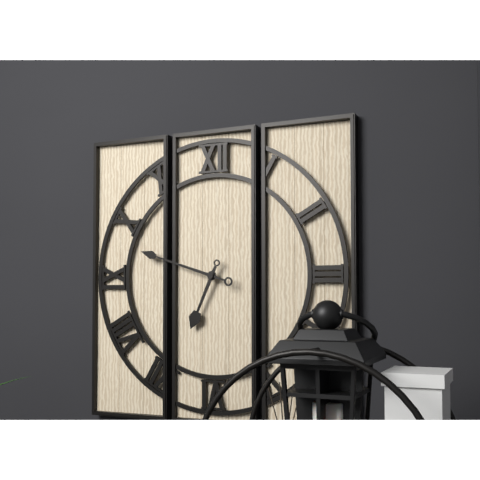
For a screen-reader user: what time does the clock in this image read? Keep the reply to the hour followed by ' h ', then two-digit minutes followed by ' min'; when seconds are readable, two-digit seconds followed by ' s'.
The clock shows 6 h 48 min
